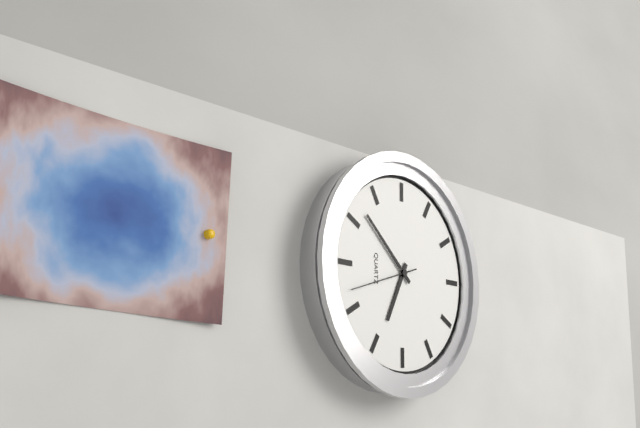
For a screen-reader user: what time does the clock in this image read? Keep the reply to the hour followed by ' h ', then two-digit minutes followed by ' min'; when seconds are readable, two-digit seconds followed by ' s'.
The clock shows 6 h 52 min 42 s
